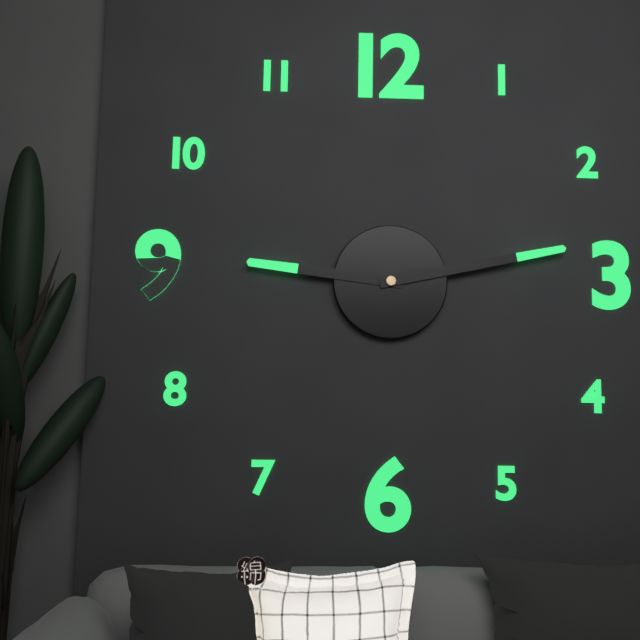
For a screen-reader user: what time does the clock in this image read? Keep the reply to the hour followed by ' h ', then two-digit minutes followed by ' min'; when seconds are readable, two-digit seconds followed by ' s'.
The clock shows 9 h 13 min
